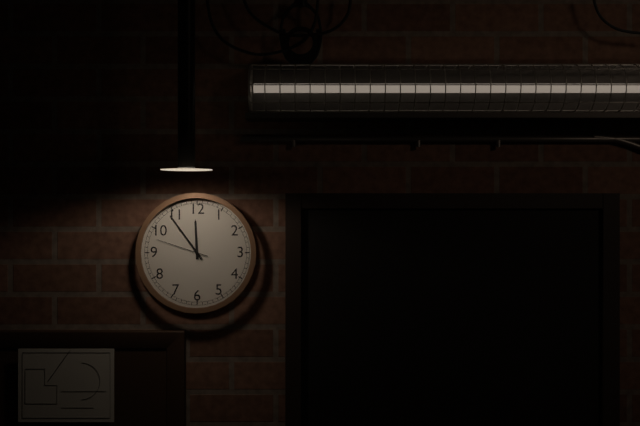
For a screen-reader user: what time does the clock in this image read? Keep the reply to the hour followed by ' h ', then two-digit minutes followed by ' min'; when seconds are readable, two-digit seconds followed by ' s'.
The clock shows 11 h 54 min 48 s
